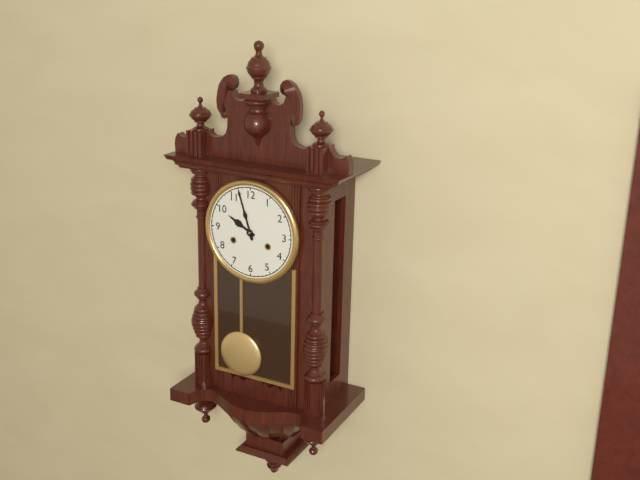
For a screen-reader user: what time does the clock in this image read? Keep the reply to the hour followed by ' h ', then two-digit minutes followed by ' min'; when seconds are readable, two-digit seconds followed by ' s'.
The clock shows 9 h 57 min
